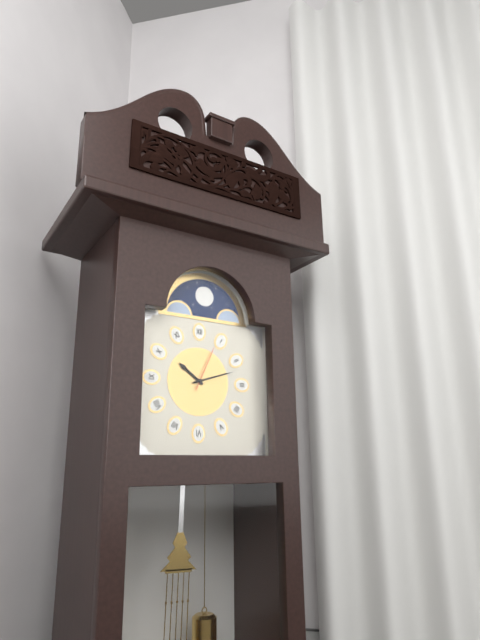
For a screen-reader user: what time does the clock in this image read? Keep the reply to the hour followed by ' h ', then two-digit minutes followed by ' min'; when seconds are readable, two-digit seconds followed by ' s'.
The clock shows 10 h 12 min
